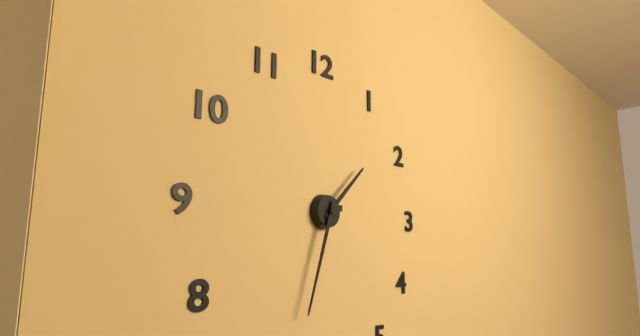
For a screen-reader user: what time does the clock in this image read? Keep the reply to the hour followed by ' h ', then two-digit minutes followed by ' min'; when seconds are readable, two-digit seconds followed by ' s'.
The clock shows 1 h 33 min
